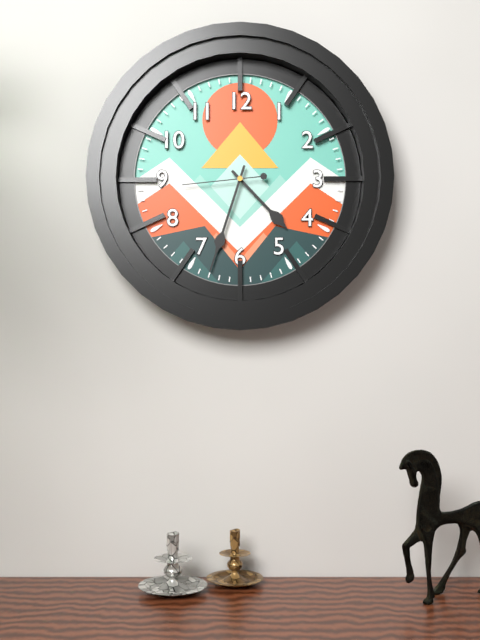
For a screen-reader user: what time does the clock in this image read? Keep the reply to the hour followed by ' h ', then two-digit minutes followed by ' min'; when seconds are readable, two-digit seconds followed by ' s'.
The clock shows 4 h 33 min 44 s
